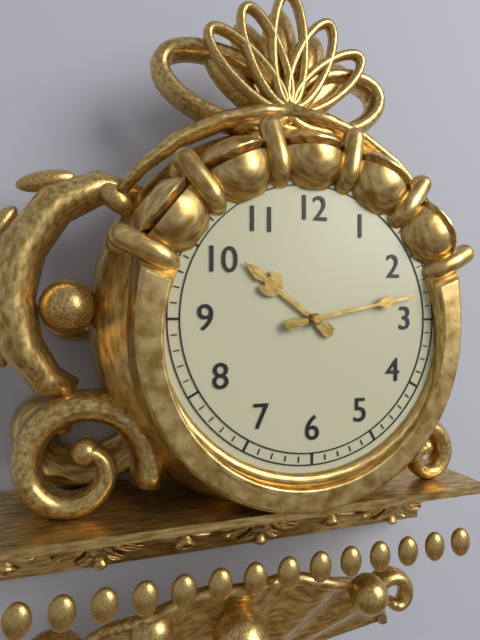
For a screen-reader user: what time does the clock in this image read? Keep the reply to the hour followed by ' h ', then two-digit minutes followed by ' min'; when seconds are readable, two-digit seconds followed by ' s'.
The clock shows 10 h 13 min
